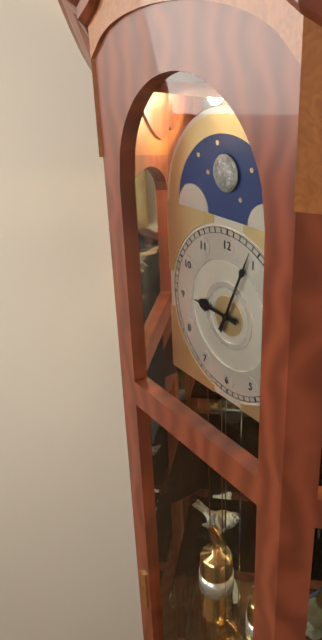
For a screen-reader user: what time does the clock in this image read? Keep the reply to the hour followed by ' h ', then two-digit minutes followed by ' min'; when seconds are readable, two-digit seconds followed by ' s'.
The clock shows 9 h 04 min
